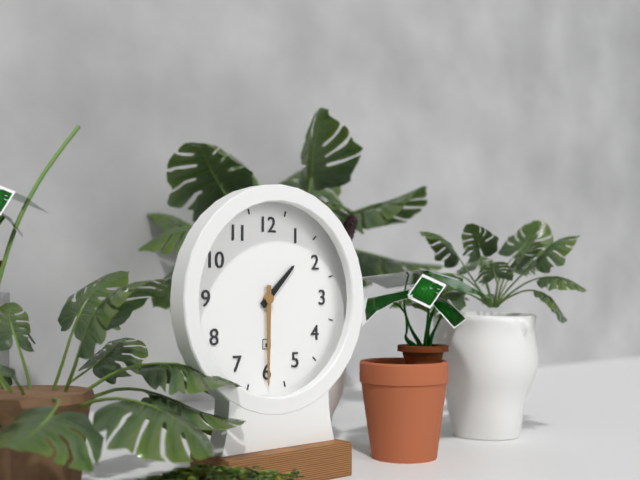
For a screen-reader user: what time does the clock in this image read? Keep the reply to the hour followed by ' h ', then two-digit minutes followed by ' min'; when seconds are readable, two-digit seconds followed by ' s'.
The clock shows 1 h 30 min
